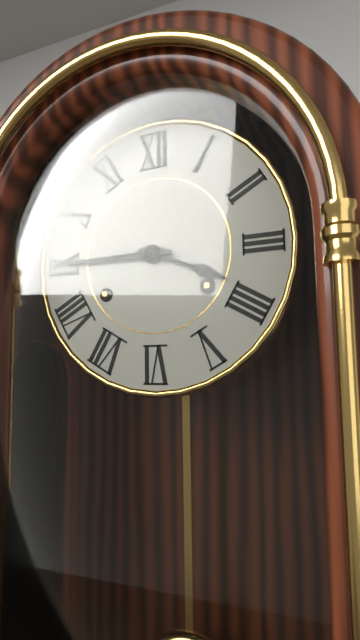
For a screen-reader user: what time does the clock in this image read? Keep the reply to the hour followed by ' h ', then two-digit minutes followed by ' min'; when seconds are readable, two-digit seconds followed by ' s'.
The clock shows 3 h 45 min
